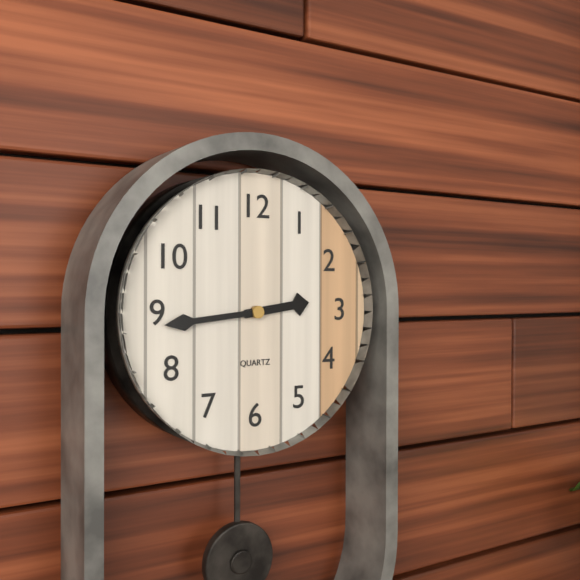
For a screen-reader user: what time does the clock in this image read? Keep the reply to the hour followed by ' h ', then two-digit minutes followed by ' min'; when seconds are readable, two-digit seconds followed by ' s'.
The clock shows 2 h 44 min
